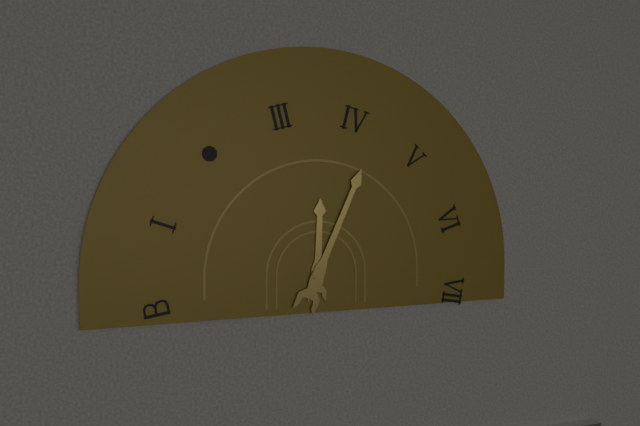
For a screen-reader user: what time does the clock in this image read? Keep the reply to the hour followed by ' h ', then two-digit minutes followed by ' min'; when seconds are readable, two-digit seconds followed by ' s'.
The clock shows 12 h 04 min
